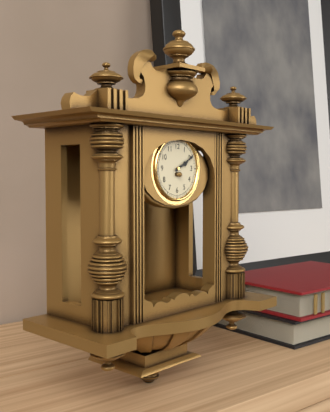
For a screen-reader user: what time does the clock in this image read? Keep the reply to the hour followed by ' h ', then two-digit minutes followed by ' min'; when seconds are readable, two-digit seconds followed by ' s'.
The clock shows 2 h 10 min
